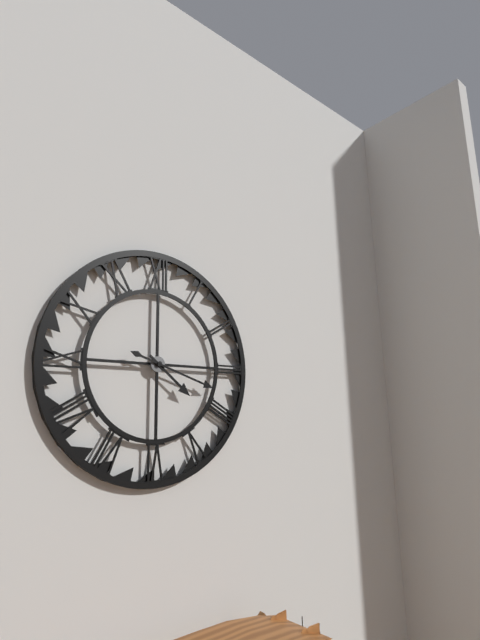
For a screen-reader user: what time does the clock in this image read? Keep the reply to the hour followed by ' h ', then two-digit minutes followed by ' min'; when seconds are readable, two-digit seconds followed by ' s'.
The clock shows 4 h 18 min
